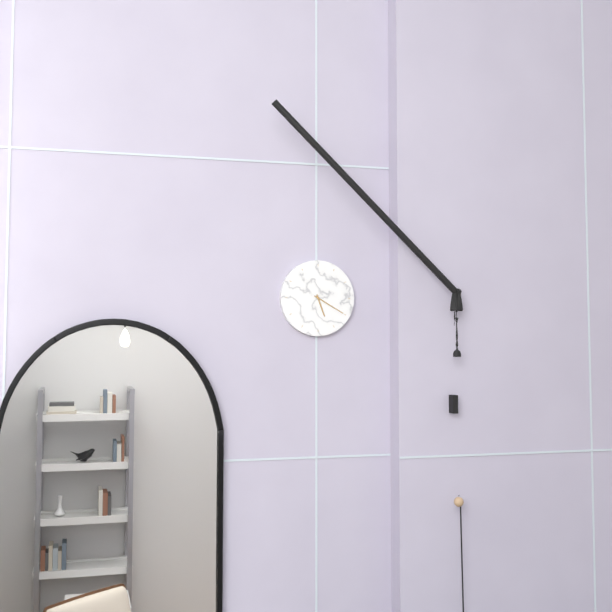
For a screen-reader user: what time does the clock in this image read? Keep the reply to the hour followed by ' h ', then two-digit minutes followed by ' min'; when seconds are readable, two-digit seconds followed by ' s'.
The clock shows 5 h 20 min
